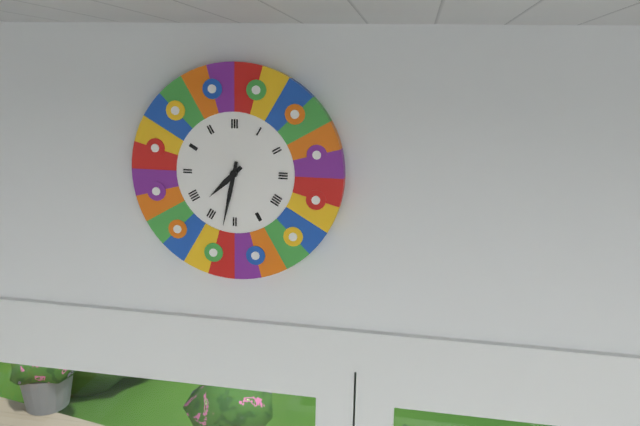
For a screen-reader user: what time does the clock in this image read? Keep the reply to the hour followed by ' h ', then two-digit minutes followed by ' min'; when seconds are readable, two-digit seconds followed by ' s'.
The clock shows 7 h 32 min
